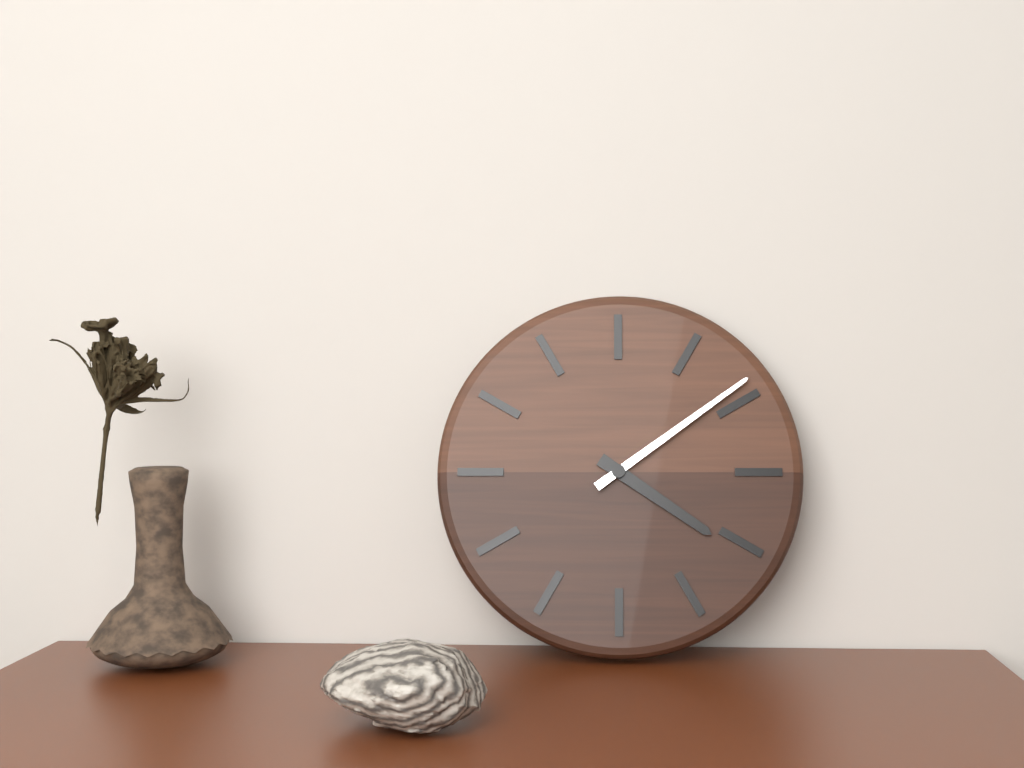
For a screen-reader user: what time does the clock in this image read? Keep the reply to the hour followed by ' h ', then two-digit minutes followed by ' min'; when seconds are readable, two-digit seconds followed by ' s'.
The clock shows 4 h 09 min
